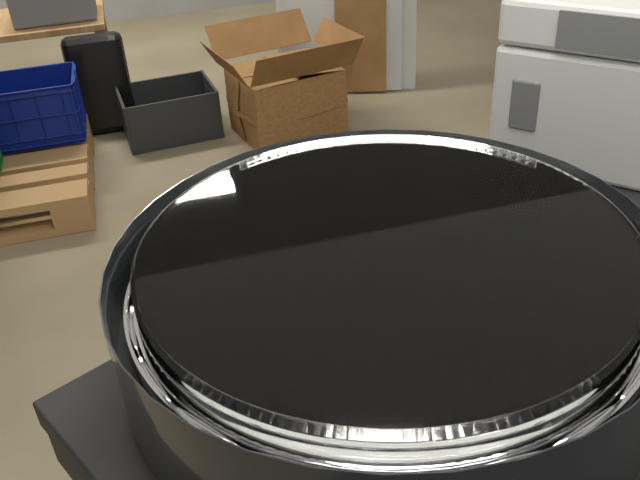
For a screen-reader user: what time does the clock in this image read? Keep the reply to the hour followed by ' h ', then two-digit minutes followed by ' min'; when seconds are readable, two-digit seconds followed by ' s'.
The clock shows 12 h 16 min
